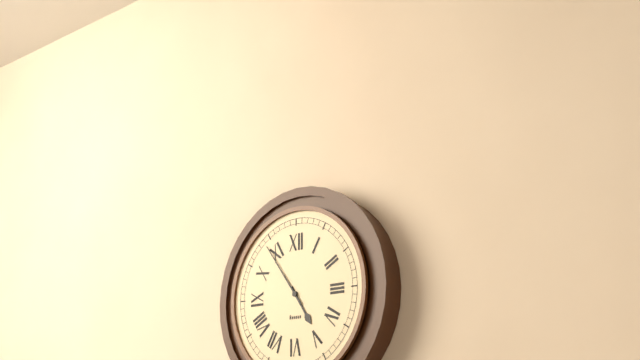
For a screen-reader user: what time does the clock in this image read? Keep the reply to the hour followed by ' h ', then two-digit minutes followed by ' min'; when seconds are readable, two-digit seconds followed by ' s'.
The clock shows 4 h 54 min
